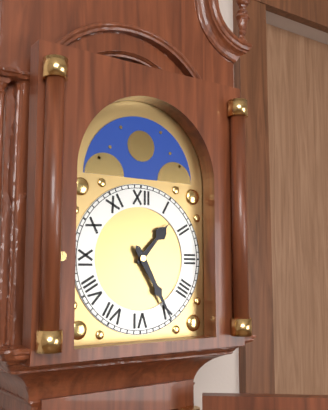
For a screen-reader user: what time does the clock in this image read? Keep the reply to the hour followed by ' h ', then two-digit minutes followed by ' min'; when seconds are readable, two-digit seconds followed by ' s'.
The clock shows 1 h 25 min
